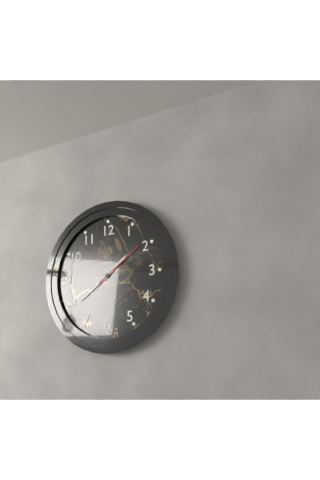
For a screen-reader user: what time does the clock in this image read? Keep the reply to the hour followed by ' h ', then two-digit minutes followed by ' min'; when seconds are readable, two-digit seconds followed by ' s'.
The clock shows 1 h 39 min 09 s
